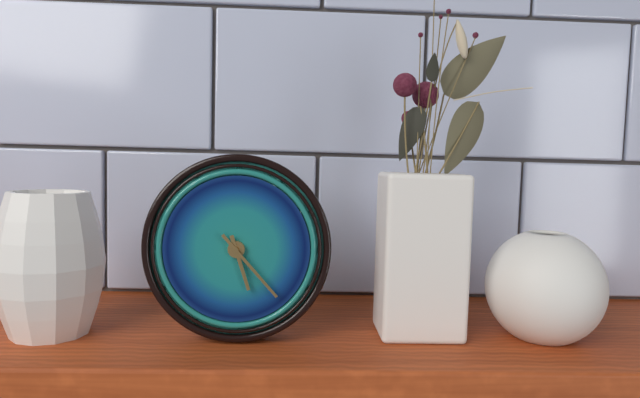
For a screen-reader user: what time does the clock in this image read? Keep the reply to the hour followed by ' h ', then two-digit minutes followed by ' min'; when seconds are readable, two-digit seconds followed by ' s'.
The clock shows 5 h 23 min
